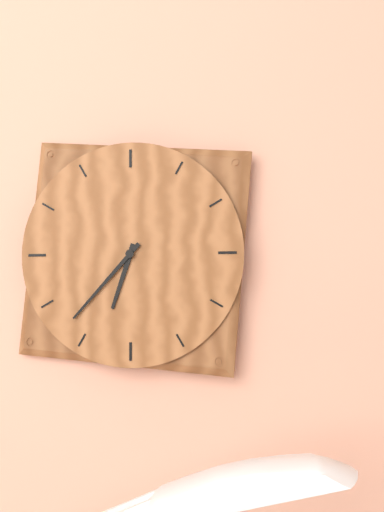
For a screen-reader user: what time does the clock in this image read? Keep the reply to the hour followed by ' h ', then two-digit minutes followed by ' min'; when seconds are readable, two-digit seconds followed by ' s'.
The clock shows 6 h 37 min
